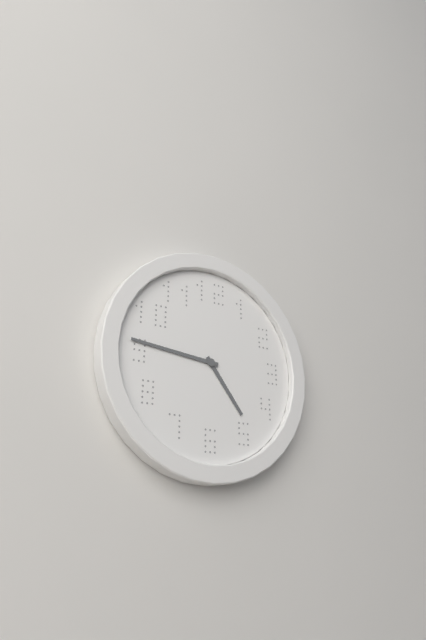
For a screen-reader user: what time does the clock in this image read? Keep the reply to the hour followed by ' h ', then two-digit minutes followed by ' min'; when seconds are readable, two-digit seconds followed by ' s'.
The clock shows 4 h 46 min
